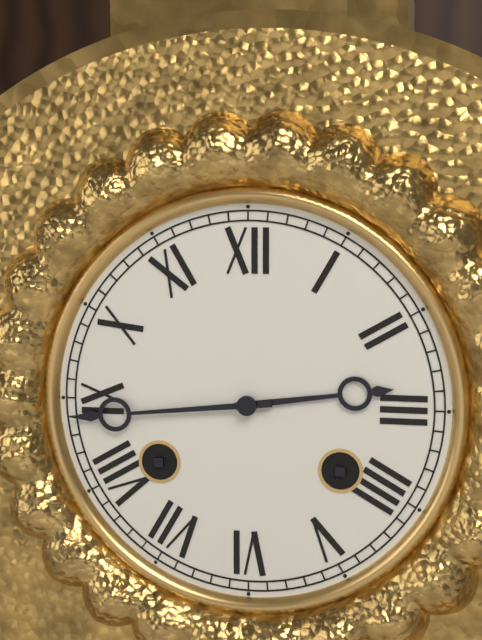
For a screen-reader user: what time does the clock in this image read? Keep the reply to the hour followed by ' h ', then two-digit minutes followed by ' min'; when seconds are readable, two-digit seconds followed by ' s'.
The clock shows 2 h 44 min
